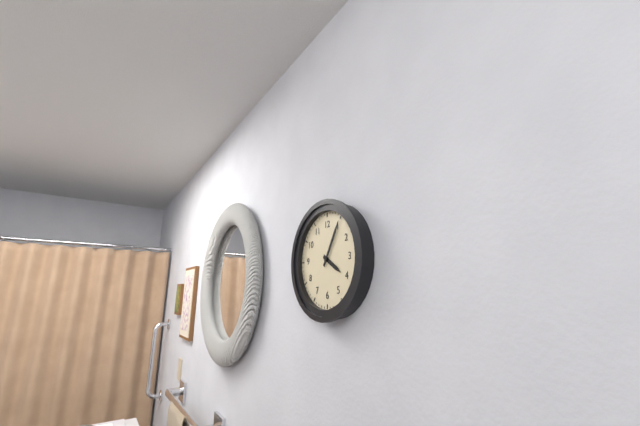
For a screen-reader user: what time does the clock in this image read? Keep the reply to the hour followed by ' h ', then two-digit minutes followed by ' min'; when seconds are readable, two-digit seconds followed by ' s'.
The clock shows 4 h 05 min
